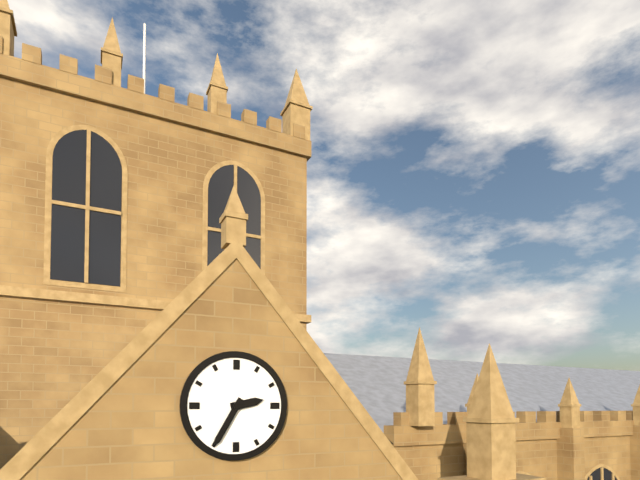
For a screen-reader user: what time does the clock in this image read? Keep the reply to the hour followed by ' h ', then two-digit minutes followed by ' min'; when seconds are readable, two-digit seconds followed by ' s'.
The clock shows 2 h 35 min
